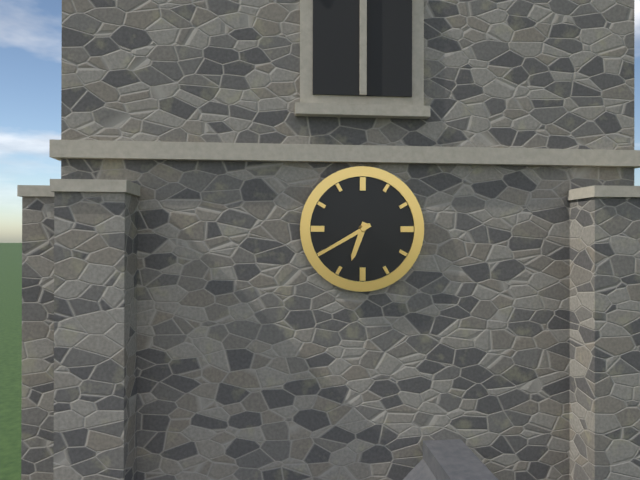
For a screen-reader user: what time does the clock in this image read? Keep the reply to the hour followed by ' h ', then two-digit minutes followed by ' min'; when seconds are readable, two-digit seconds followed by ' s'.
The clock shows 6 h 40 min
